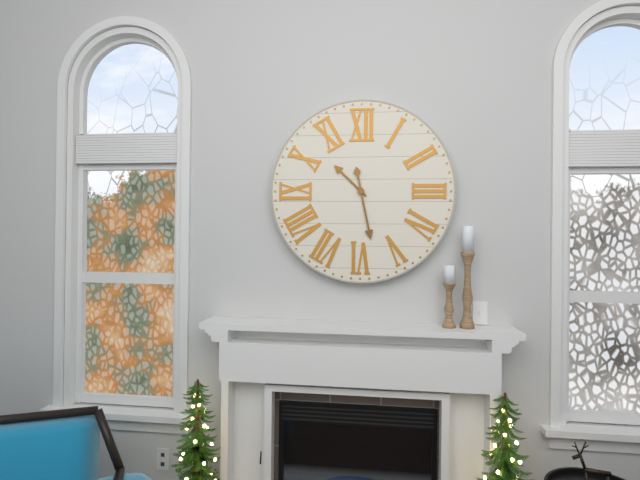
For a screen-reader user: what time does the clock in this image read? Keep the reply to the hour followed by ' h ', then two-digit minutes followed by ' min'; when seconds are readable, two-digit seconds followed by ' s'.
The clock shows 10 h 28 min
